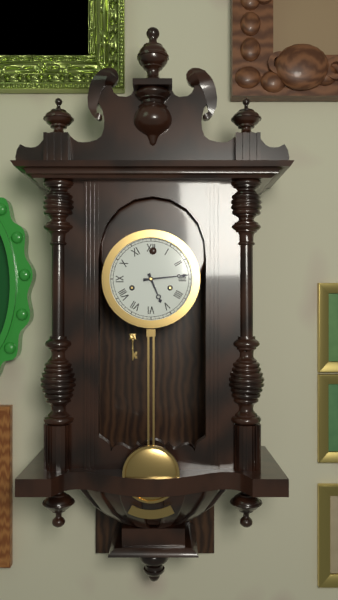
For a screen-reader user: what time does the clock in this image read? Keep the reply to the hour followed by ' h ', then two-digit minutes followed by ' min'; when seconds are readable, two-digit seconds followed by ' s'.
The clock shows 5 h 14 min
